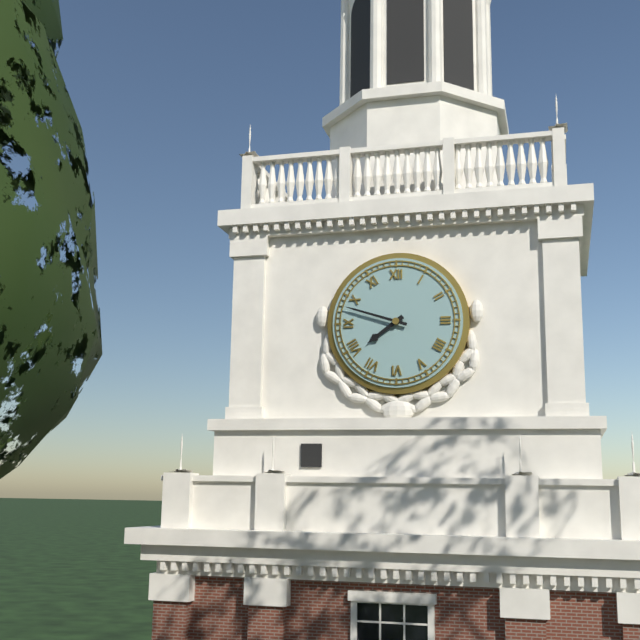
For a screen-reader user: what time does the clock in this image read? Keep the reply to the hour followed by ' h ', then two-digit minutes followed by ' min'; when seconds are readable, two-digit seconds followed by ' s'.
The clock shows 7 h 48 min
